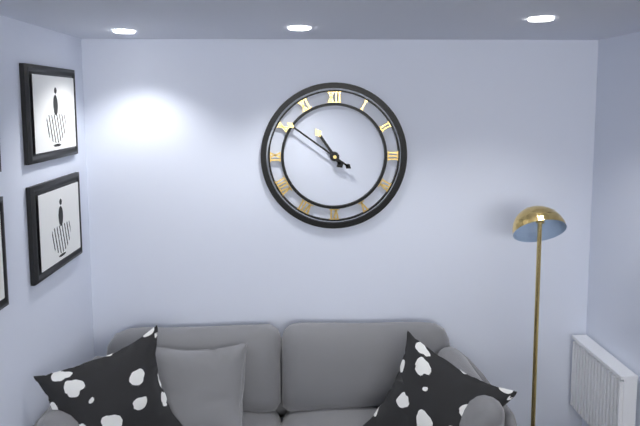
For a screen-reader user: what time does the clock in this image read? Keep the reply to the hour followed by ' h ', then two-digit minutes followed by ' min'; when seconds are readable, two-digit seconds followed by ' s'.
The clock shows 10 h 51 min
